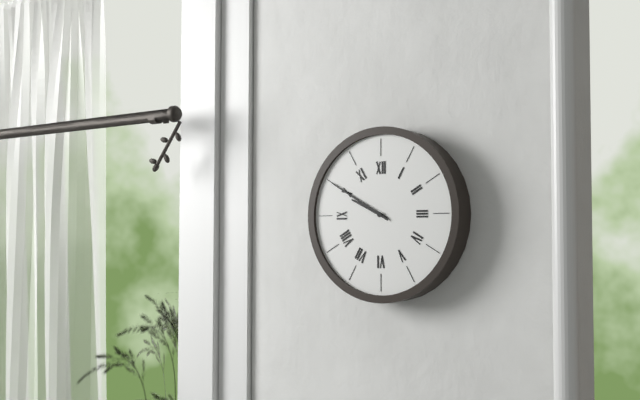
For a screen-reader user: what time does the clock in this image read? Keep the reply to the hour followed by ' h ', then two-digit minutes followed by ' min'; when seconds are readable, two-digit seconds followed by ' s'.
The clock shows 9 h 50 min
